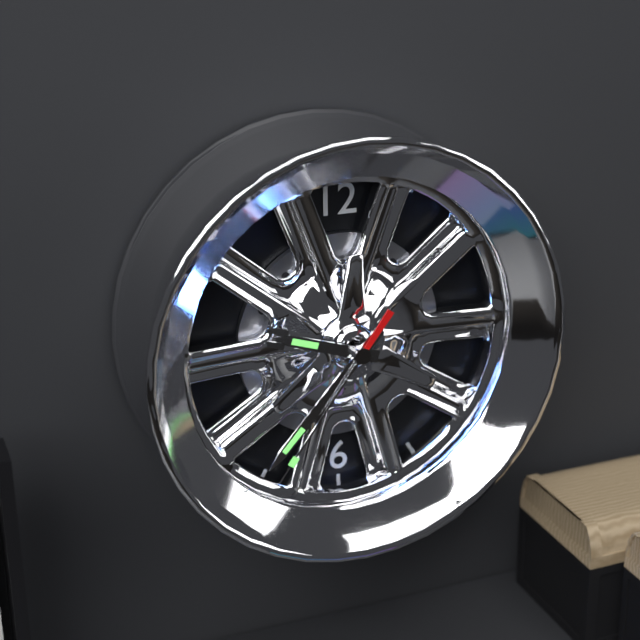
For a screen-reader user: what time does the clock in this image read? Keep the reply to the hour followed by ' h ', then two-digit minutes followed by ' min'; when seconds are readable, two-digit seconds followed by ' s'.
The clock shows 9 h 37 min 36 s
